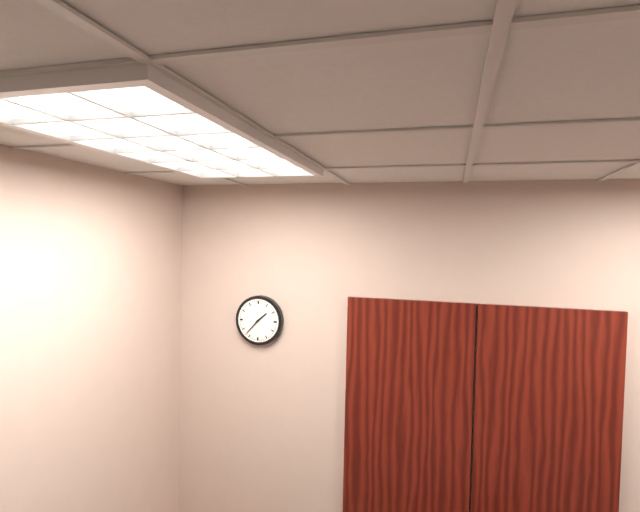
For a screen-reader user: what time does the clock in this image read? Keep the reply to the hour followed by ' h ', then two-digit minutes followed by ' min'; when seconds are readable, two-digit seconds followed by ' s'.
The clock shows 1 h 37 min
